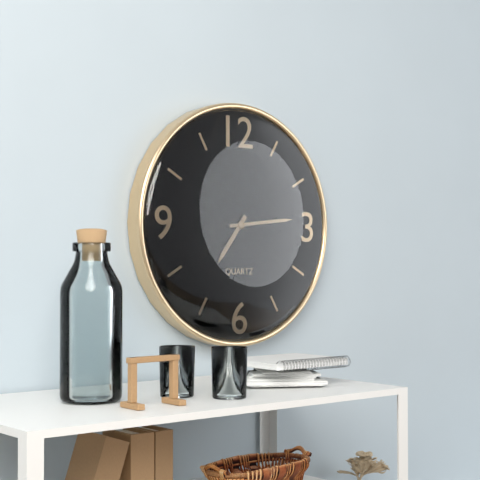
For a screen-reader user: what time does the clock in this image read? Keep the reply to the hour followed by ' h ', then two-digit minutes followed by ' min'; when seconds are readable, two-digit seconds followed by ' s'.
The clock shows 7 h 14 min
